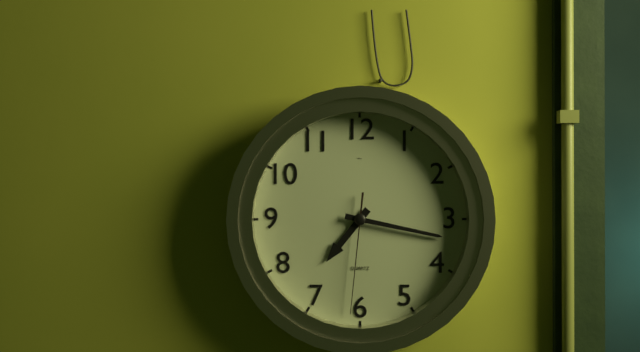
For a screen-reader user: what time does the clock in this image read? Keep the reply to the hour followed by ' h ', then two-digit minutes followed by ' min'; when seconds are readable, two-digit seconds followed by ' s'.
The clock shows 7 h 17 min 31 s
